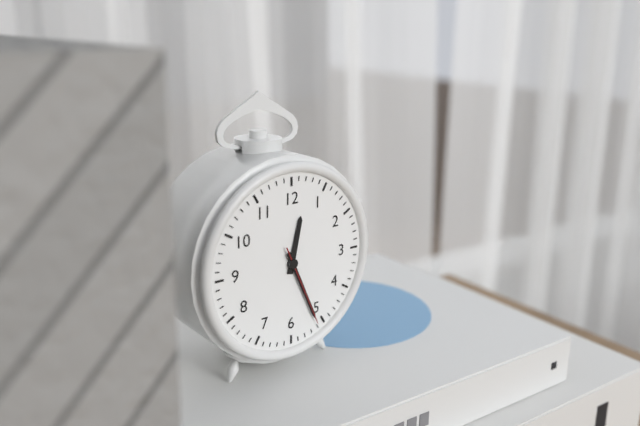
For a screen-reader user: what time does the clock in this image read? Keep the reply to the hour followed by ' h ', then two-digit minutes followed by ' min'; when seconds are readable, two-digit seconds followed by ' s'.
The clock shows 12 h 26 min 26 s
